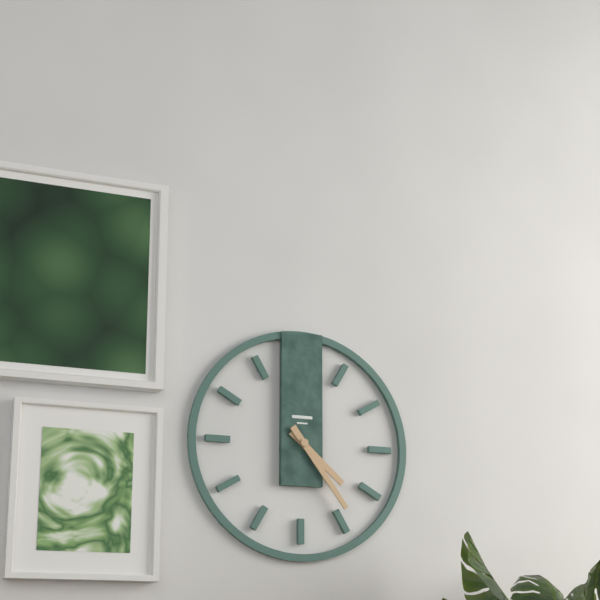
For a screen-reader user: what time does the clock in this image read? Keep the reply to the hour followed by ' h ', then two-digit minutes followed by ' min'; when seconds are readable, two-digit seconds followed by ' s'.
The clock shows 4 h 24 min
